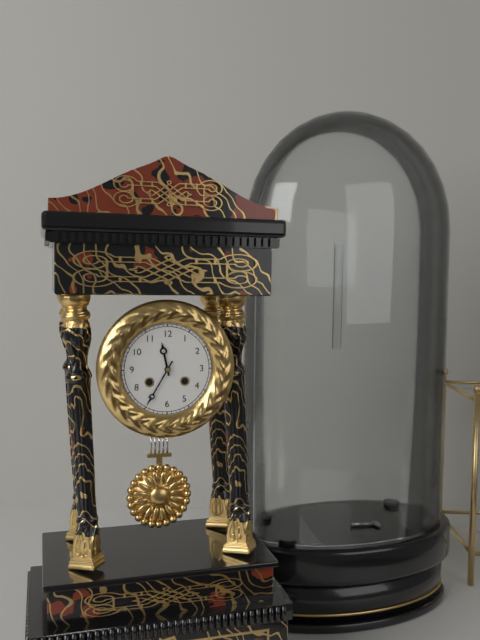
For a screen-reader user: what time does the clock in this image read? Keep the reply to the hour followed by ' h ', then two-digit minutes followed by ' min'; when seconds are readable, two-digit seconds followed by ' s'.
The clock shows 11 h 35 min
